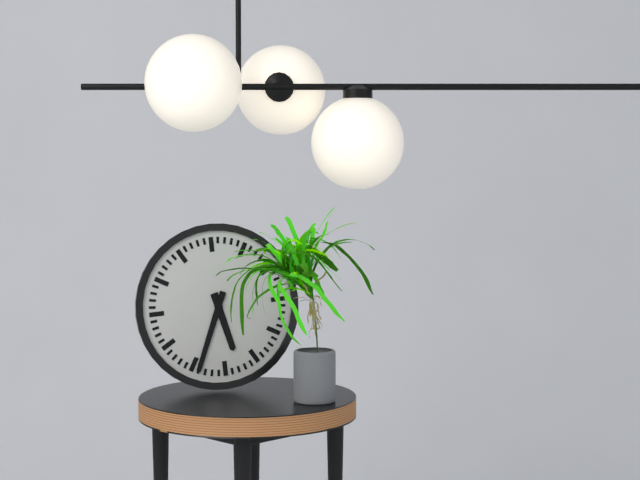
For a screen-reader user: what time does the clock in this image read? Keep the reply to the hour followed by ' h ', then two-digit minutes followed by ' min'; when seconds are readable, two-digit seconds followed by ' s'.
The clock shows 5 h 34 min
